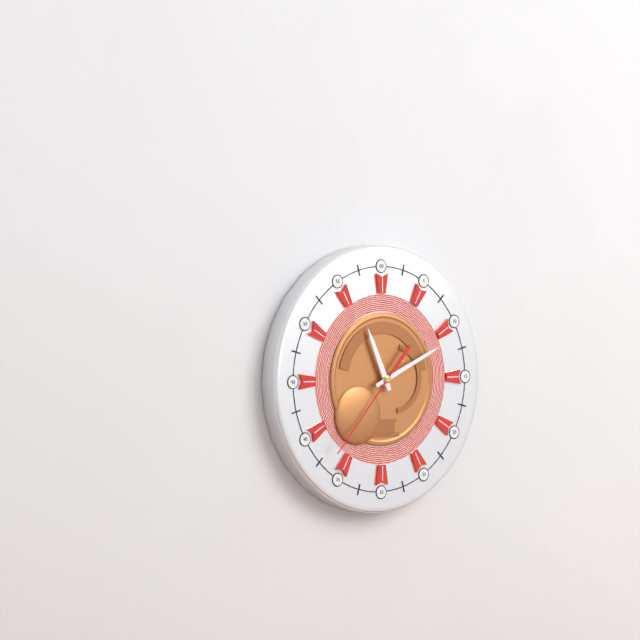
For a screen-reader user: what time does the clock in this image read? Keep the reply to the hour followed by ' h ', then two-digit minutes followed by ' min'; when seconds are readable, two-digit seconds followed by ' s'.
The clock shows 11 h 11 min 37 s
